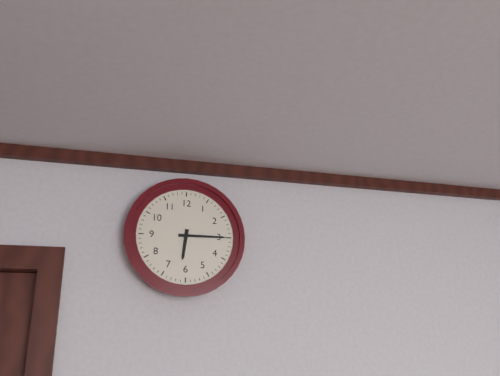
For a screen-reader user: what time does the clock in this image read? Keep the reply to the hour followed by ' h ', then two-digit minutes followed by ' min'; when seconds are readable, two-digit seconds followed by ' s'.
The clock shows 6 h 15 min
